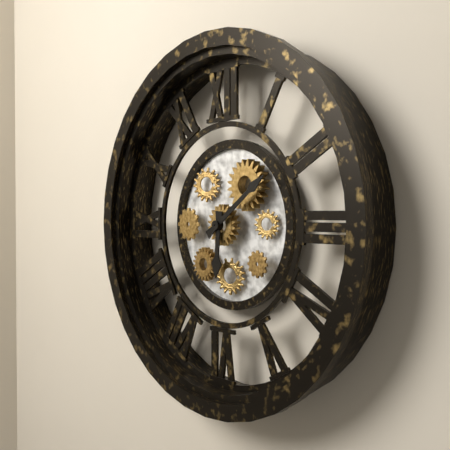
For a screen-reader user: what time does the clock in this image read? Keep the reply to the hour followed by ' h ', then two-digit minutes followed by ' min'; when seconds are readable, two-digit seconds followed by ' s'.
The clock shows 6 h 09 min
